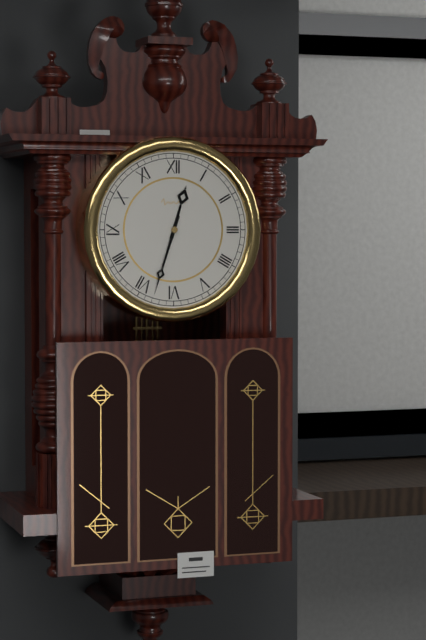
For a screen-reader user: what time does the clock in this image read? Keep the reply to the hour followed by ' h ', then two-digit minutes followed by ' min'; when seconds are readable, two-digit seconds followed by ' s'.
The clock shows 12 h 33 min
